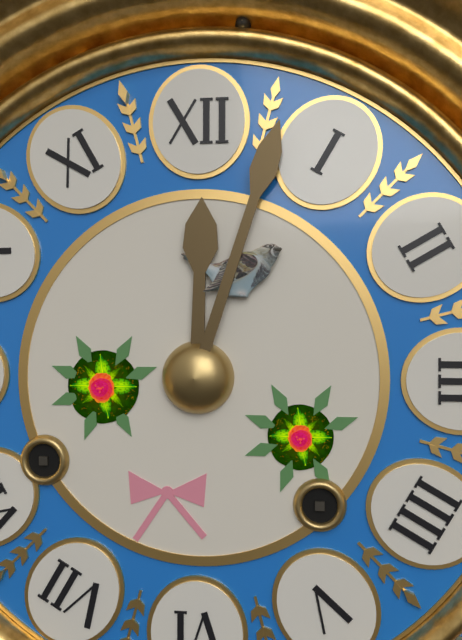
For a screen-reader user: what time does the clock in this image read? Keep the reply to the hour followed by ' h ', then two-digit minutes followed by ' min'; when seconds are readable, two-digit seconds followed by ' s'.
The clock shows 12 h 03 min
